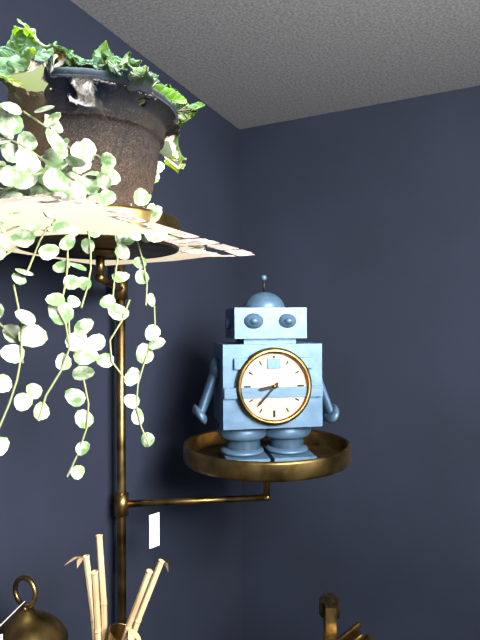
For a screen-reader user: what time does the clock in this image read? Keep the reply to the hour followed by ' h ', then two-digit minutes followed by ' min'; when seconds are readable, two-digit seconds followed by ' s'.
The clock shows 8 h 37 min
